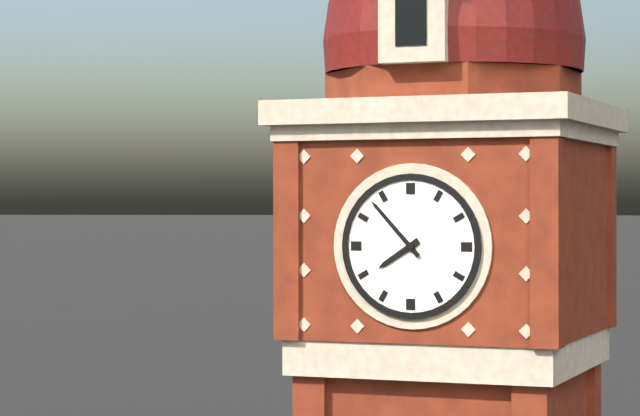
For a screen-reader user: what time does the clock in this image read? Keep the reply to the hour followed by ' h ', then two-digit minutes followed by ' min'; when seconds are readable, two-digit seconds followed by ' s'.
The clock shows 7 h 53 min
